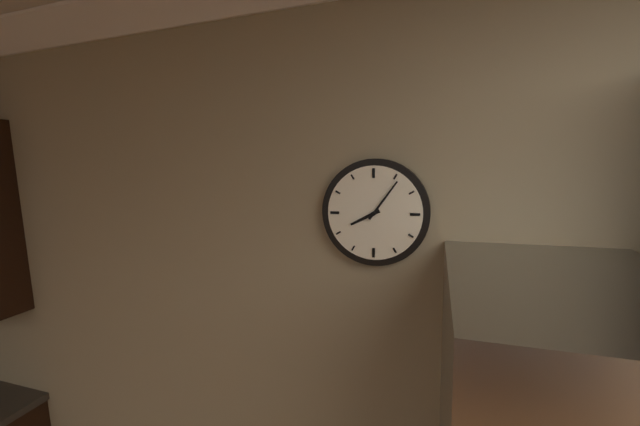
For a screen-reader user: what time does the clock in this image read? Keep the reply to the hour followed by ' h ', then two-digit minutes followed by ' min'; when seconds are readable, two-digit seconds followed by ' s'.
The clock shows 8 h 06 min
